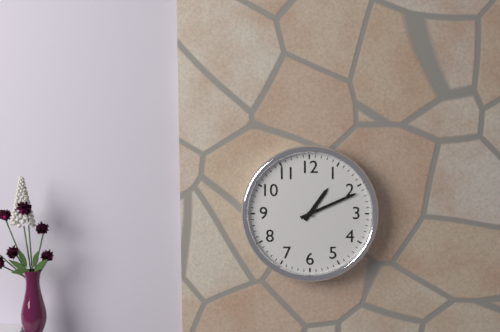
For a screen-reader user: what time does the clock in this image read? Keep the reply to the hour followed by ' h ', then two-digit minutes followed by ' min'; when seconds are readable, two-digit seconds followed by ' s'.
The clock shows 1 h 11 min
